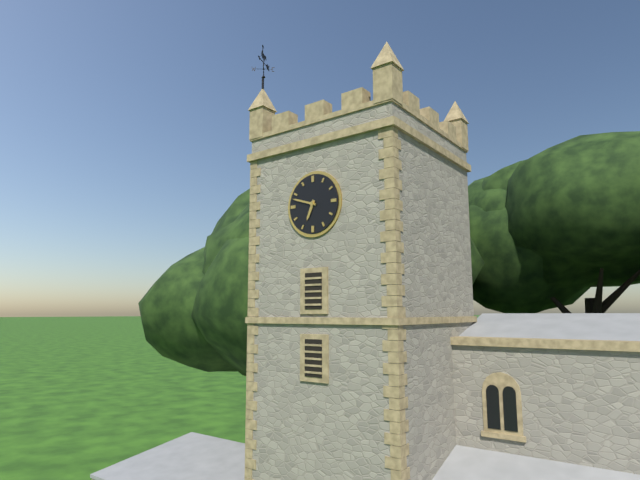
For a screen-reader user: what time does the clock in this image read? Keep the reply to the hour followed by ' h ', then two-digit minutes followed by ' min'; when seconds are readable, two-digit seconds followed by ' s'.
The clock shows 6 h 48 min
